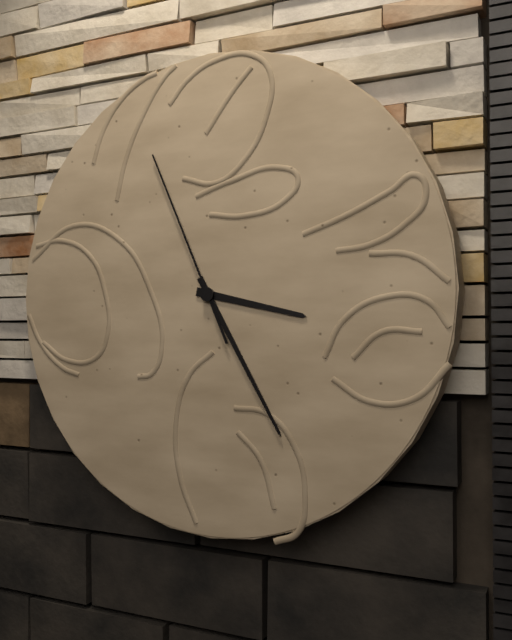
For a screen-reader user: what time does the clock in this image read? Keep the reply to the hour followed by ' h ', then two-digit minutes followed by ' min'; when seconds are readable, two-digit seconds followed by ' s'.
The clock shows 3 h 25 min 56 s
